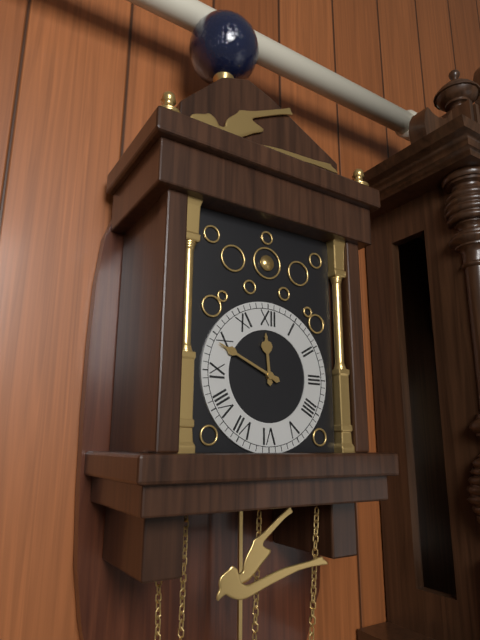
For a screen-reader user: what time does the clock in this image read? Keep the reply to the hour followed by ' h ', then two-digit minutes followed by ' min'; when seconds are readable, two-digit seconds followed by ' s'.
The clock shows 11 h 49 min
